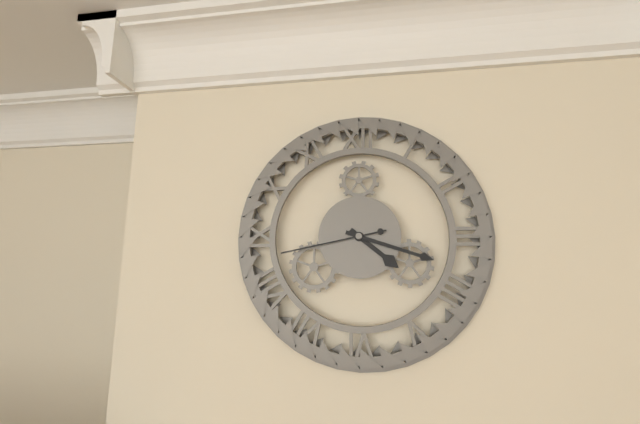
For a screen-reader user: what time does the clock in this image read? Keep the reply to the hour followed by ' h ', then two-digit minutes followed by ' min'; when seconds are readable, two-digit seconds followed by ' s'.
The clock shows 4 h 18 min 43 s
